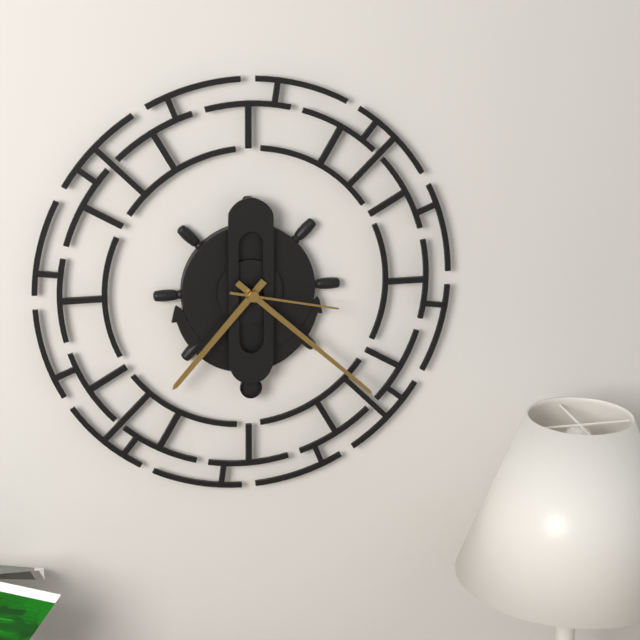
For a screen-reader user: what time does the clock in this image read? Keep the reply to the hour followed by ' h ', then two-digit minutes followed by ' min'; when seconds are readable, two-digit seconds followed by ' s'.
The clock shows 7 h 22 min 17 s
